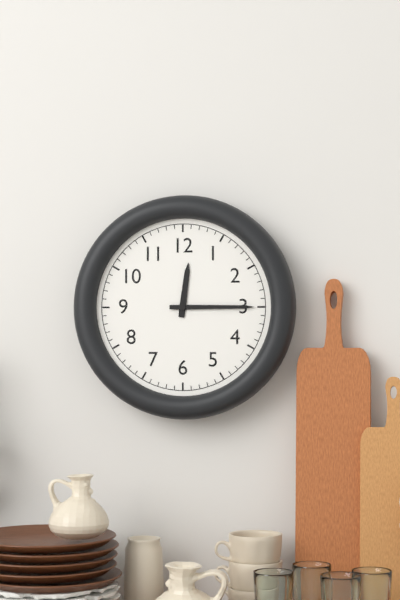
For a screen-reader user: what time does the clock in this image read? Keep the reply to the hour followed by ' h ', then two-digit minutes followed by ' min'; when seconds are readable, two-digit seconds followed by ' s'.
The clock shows 12 h 15 min
